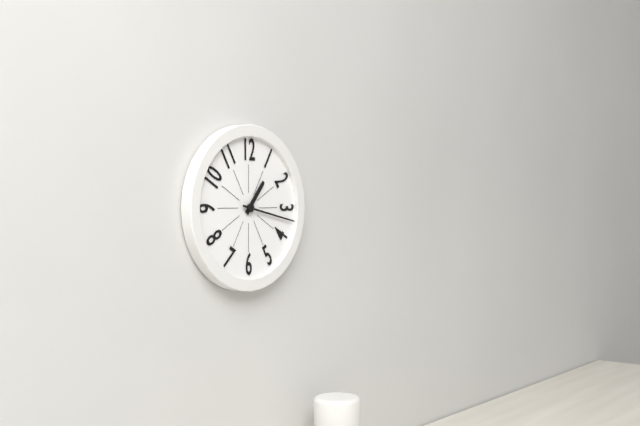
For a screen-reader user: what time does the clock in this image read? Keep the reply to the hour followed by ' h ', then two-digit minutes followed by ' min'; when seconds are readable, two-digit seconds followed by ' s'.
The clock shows 1 h 17 min
